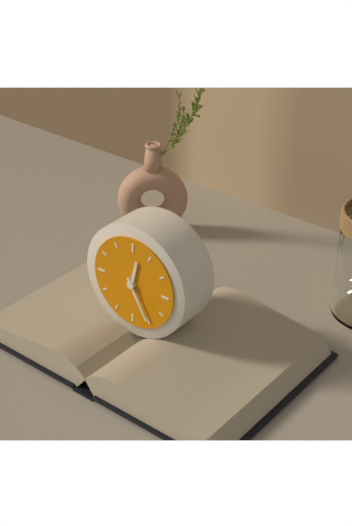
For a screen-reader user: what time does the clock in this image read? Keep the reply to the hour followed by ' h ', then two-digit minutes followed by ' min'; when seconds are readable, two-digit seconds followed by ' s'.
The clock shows 12 h 25 min
